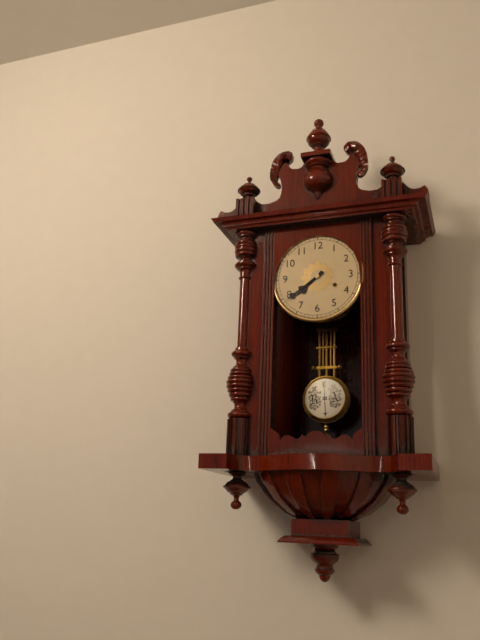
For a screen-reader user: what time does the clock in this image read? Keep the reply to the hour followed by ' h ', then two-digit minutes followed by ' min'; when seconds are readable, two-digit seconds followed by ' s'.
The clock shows 7 h 39 min
